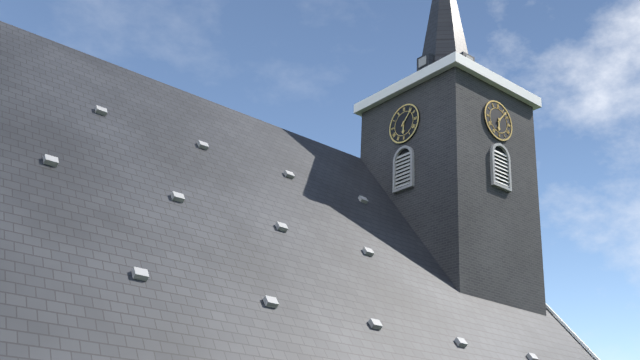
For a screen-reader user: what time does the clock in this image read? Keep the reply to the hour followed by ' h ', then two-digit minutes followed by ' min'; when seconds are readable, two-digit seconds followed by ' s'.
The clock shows 6 h 07 min
